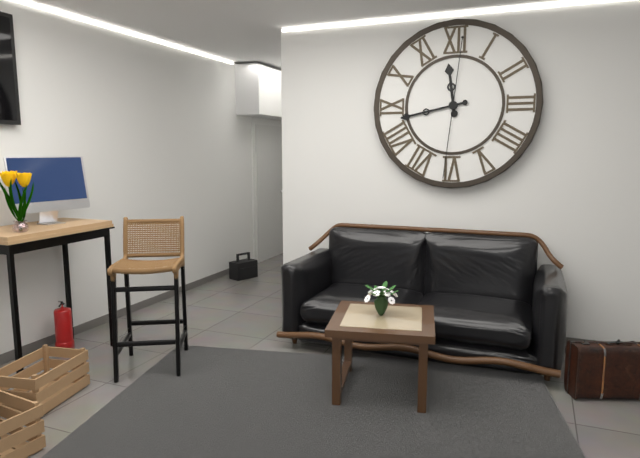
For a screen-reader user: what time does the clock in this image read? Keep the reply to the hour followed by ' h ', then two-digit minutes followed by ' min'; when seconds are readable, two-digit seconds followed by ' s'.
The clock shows 11 h 43 min 31 s
